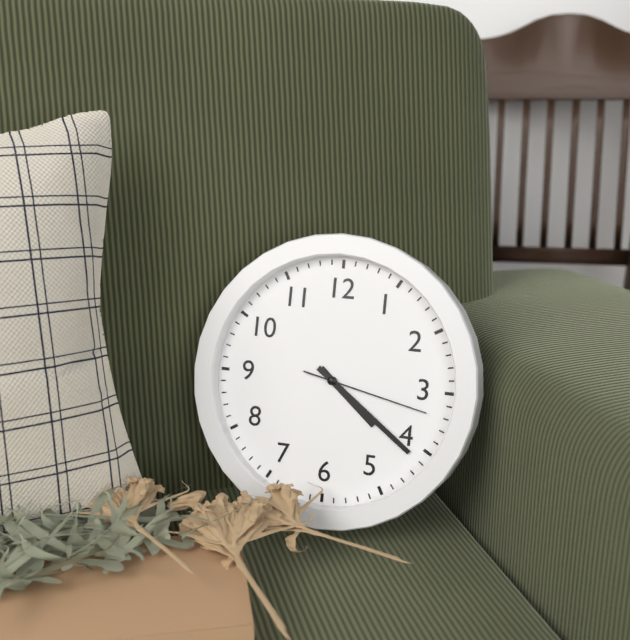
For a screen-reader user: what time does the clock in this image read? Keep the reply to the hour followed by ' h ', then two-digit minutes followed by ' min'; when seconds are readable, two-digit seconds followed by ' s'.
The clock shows 4 h 21 min 17 s
